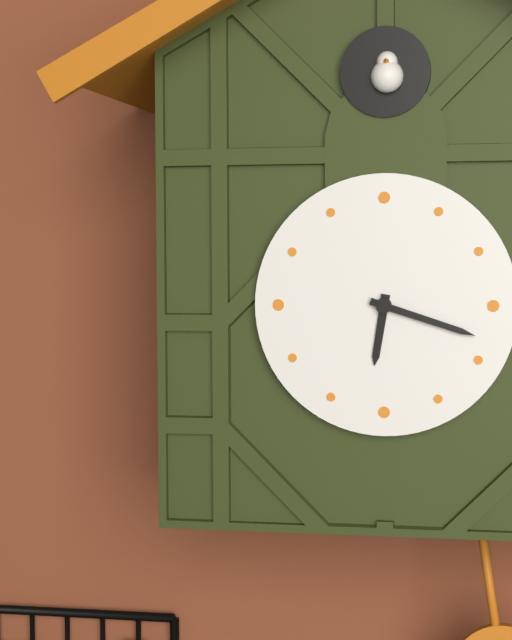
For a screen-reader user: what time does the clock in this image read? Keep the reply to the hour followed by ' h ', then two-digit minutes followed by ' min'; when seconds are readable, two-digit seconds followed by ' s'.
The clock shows 6 h 18 min
